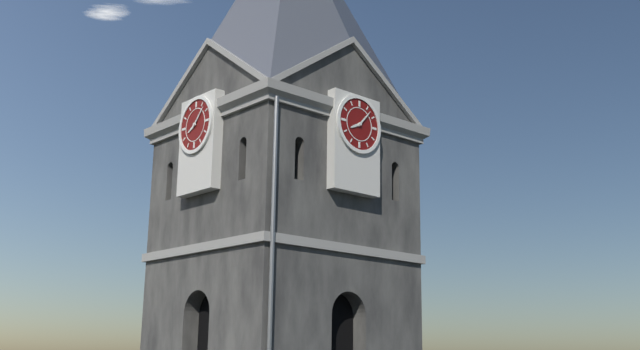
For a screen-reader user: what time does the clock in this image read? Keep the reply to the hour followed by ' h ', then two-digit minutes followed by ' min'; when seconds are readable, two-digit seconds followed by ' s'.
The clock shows 8 h 07 min
